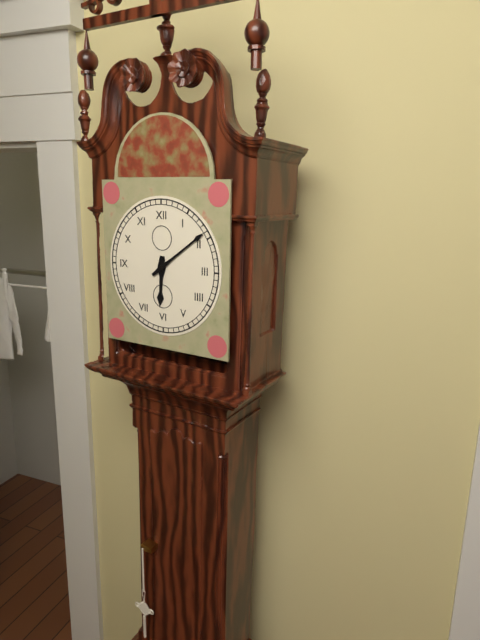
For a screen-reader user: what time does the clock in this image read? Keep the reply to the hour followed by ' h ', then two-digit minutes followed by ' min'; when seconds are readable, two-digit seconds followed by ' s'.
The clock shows 6 h 09 min
